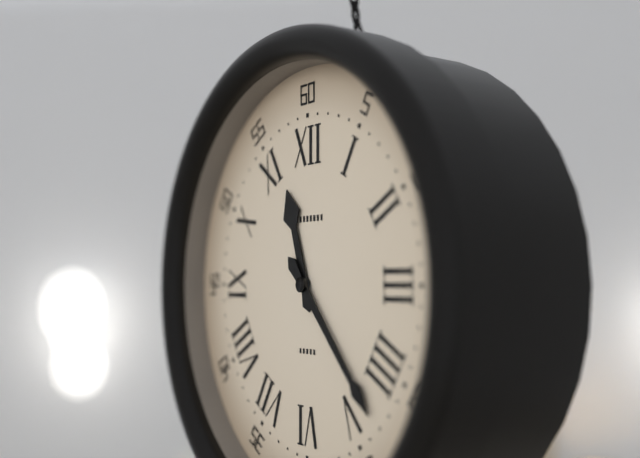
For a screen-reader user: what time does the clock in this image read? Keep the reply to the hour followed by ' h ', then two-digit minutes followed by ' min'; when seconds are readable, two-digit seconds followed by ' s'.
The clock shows 11 h 23 min
